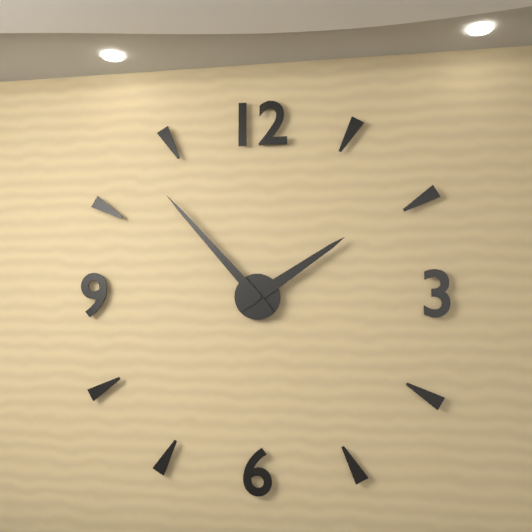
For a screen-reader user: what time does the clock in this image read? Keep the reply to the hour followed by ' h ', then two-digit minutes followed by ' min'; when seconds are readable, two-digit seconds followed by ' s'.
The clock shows 1 h 53 min
